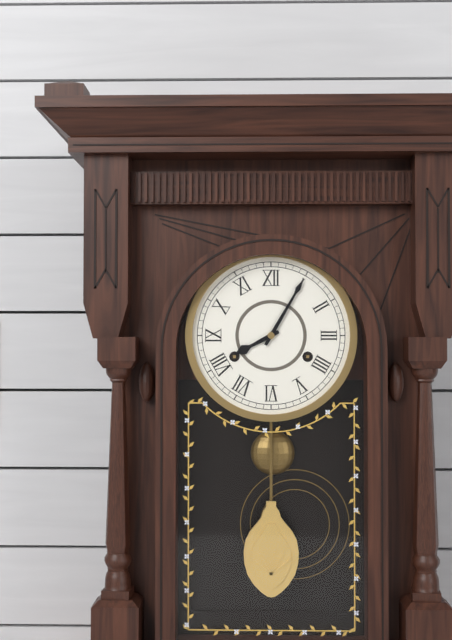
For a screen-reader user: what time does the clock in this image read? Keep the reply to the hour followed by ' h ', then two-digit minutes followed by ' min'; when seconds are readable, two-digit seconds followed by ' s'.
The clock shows 8 h 05 min
